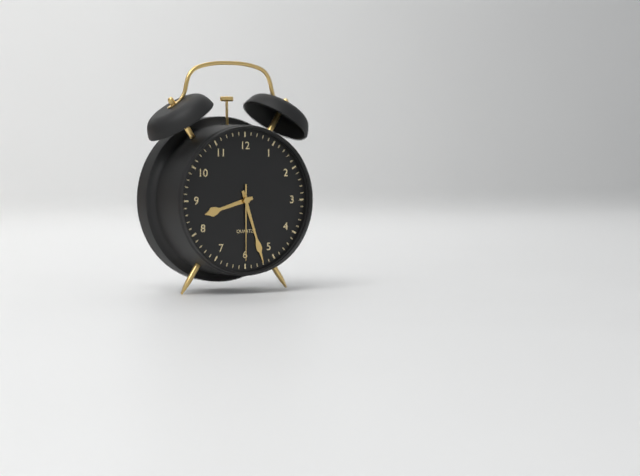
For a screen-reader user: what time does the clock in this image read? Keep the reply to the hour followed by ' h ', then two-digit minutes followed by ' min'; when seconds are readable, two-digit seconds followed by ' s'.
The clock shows 8 h 27 min 30 s
